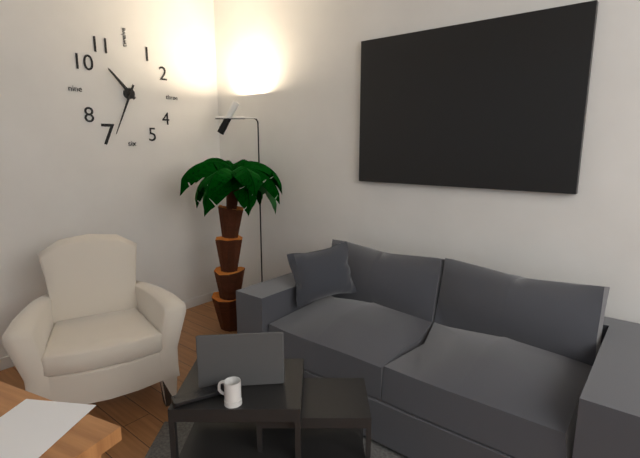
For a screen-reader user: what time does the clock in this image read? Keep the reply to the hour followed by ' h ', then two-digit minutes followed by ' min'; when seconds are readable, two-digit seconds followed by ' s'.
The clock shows 10 h 34 min
